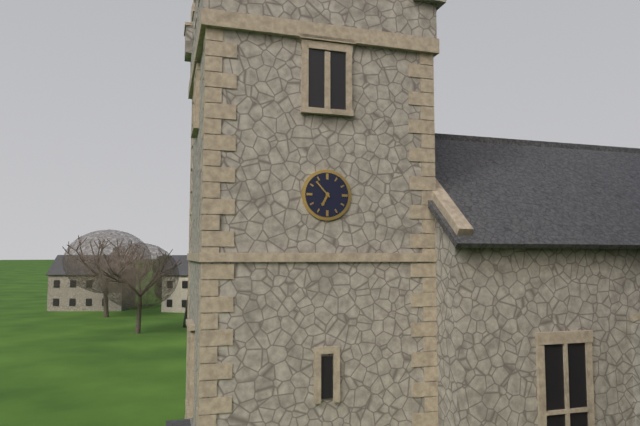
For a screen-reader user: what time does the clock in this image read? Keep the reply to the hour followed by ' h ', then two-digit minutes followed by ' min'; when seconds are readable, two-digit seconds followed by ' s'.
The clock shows 6 h 53 min
